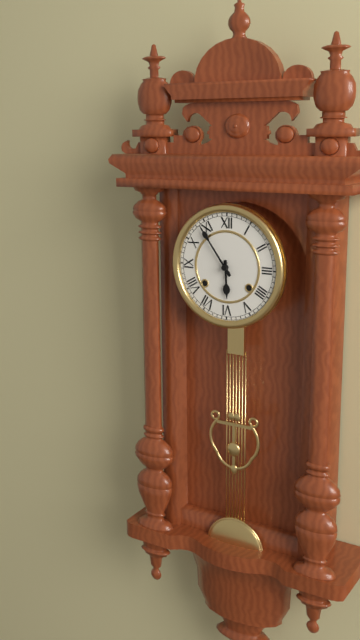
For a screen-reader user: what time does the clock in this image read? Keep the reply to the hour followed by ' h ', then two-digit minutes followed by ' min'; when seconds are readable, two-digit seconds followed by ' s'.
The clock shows 5 h 54 min
